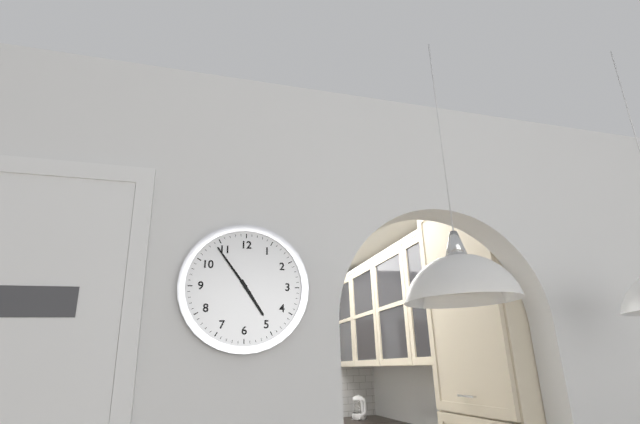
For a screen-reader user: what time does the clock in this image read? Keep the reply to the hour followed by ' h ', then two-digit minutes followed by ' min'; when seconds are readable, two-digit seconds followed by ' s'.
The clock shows 4 h 54 min
